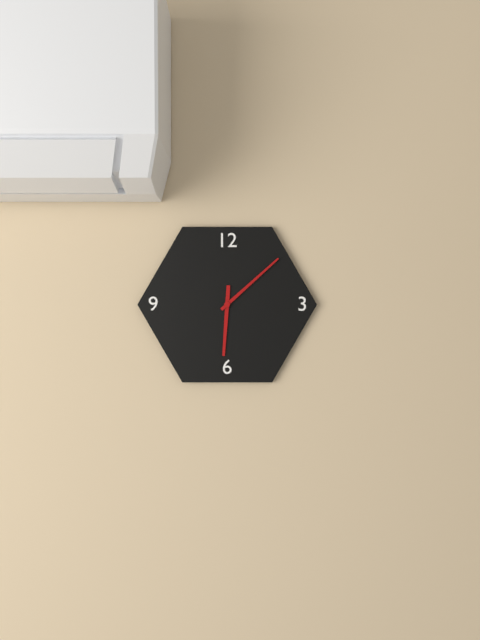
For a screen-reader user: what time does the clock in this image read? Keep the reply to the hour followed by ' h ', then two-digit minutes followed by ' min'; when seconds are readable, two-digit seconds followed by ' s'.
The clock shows 6 h 08 min
